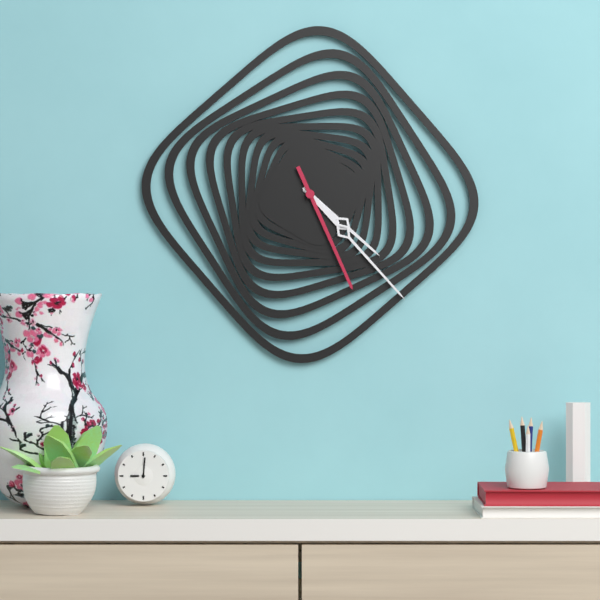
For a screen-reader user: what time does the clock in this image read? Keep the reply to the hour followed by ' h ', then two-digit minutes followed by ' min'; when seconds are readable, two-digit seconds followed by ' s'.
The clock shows 4 h 23 min 26 s
